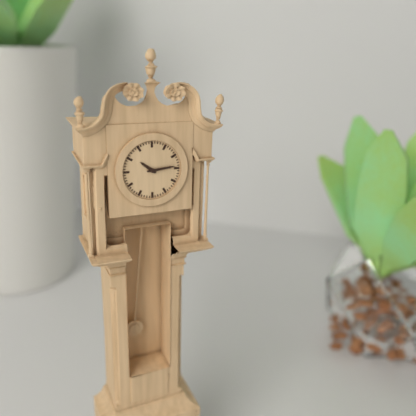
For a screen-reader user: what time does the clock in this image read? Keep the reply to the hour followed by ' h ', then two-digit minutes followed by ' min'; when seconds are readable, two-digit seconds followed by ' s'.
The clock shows 10 h 14 min
